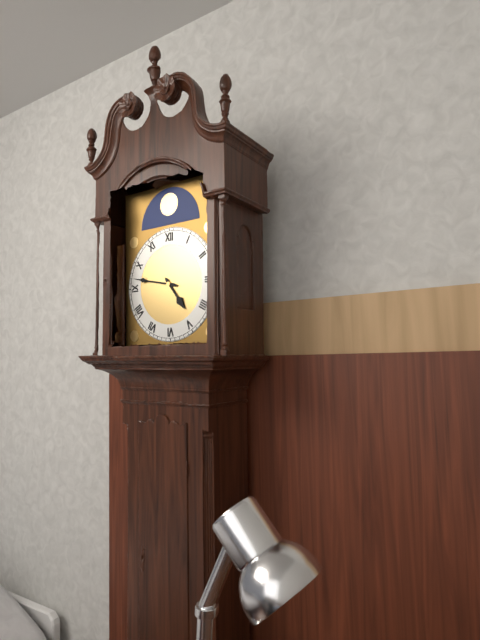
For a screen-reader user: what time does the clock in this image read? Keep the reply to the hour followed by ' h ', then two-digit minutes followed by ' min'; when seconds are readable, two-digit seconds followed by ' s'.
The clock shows 4 h 47 min
